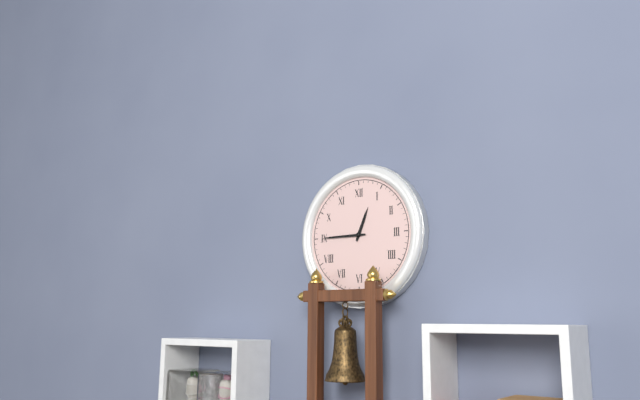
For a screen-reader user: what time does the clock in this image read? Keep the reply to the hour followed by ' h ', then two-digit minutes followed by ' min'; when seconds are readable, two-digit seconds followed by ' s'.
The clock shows 12 h 45 min
